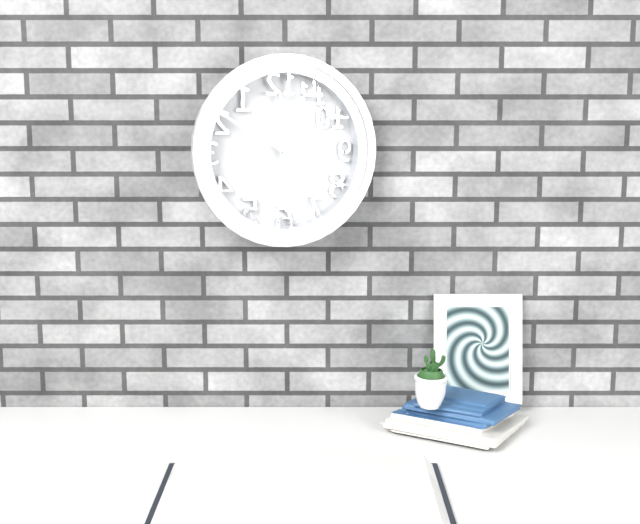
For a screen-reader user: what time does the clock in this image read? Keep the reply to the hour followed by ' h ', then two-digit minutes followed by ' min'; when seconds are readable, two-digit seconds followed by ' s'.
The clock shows 11 h 50 min
